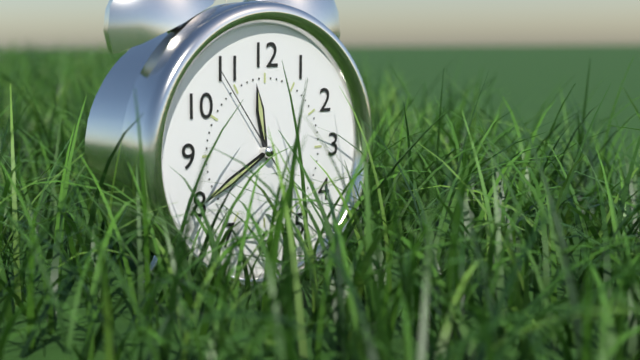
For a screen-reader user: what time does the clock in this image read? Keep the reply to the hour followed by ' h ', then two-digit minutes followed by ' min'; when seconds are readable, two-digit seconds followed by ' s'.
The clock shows 11 h 40 min 54 s
